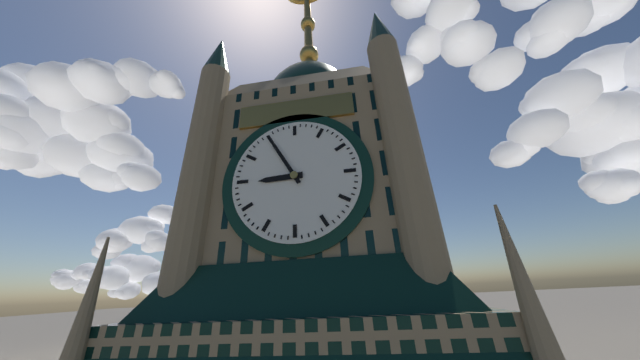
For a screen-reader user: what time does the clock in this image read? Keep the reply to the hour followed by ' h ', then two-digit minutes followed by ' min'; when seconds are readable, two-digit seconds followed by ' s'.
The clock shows 8 h 55 min
